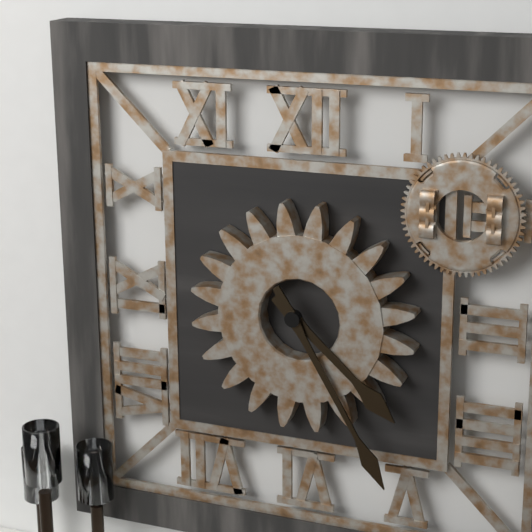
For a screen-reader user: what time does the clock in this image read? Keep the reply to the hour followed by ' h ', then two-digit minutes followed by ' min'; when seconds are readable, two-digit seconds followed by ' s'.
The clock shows 4 h 25 min
